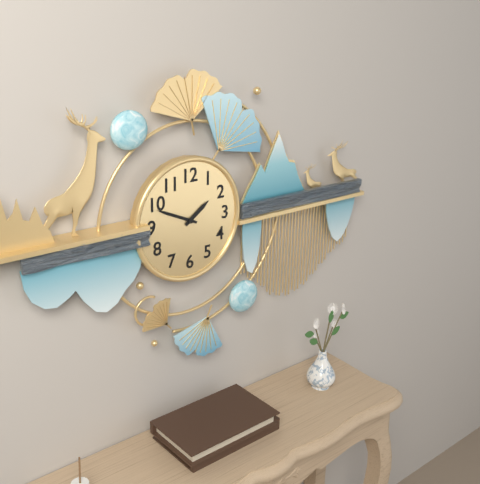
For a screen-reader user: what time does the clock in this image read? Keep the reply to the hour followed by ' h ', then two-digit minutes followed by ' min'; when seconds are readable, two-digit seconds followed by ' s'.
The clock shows 1 h 49 min
